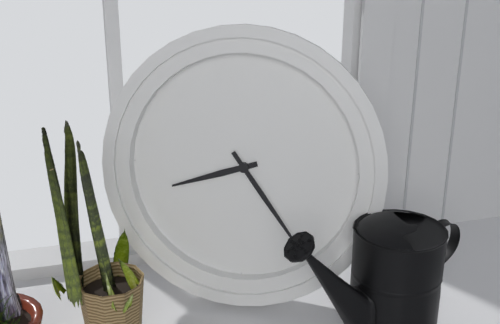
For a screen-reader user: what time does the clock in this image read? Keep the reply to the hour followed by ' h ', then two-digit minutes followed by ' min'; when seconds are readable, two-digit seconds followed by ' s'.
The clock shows 8 h 24 min
